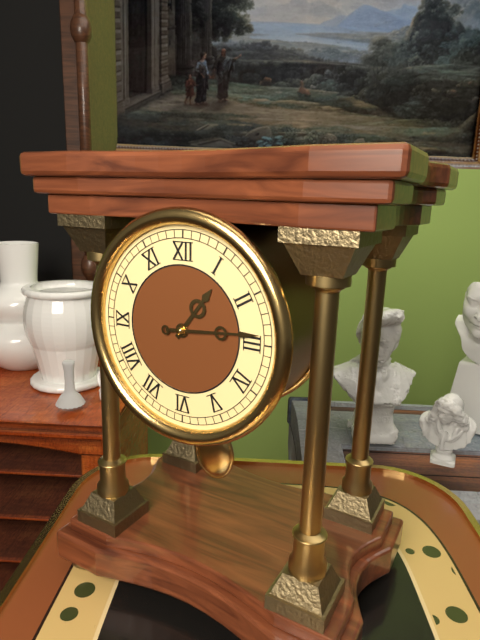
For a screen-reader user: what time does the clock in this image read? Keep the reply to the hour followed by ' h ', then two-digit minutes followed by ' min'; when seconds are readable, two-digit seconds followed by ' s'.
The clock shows 1 h 14 min
